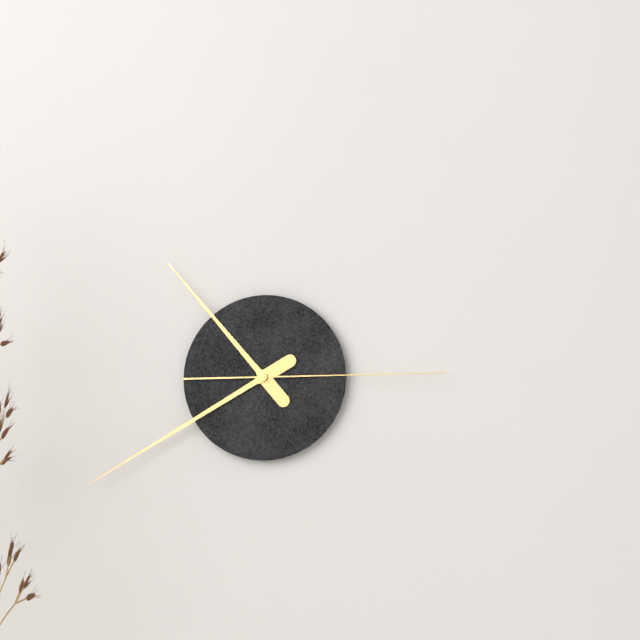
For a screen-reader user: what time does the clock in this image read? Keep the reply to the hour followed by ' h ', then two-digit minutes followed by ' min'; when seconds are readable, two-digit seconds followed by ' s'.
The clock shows 10 h 40 min 15 s
